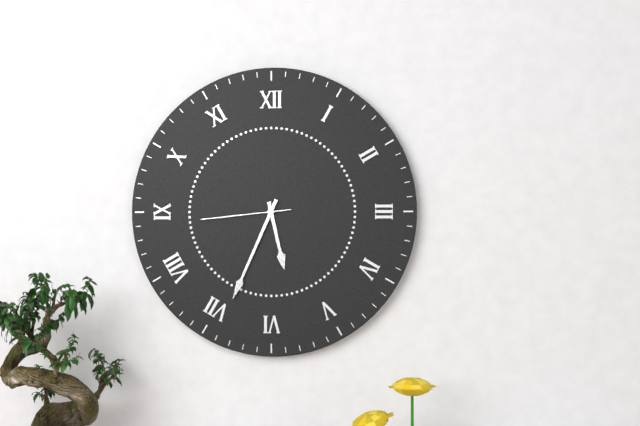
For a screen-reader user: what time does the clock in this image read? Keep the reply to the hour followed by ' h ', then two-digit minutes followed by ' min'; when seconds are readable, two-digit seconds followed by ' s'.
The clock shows 5 h 34 min 44 s
